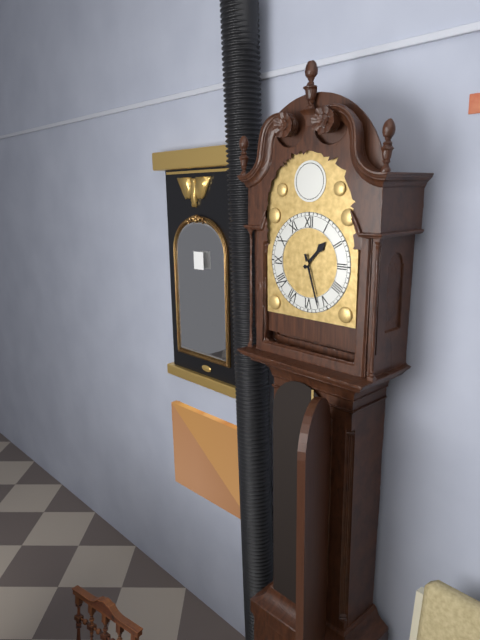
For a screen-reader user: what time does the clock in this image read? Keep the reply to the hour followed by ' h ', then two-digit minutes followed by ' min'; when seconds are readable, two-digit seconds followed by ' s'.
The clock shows 1 h 27 min
